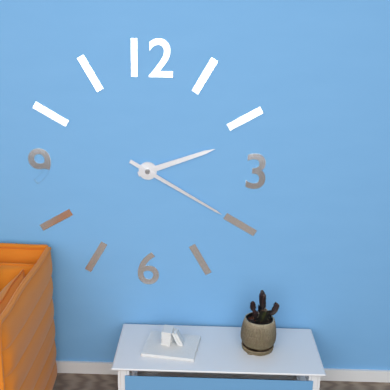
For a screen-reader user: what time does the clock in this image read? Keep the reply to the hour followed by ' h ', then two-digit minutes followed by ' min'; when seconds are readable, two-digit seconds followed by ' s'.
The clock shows 2 h 20 min
